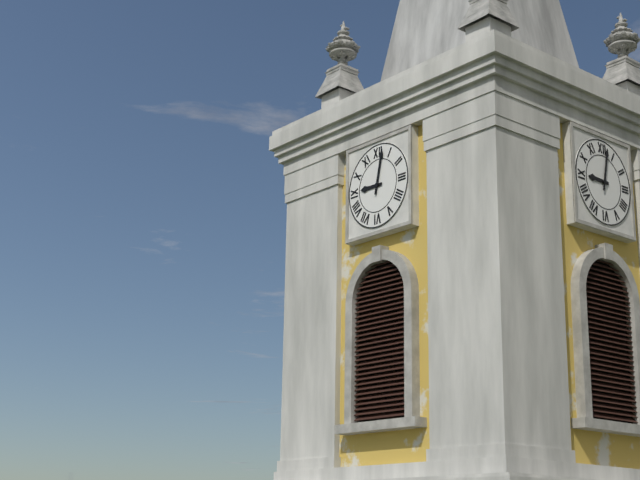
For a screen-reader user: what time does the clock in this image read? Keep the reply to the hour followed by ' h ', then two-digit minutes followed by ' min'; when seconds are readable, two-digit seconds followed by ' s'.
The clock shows 9 h 02 min
